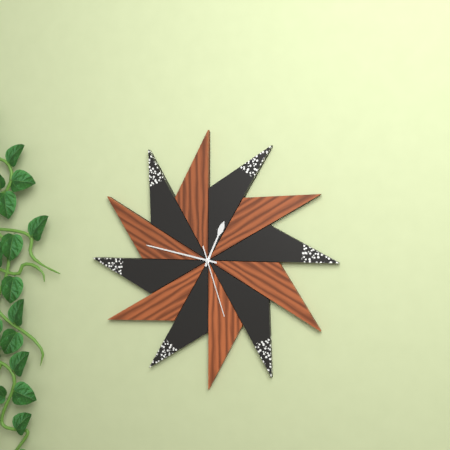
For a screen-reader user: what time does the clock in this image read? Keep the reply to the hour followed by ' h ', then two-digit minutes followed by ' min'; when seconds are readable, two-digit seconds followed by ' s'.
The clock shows 12 h 47 min 27 s
